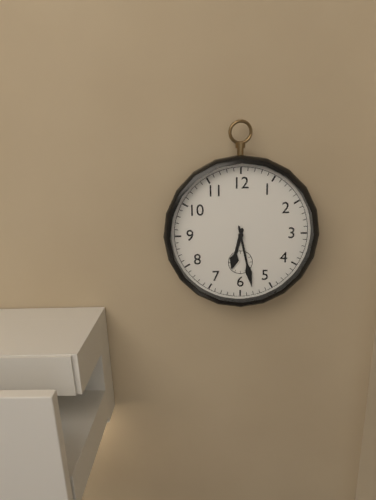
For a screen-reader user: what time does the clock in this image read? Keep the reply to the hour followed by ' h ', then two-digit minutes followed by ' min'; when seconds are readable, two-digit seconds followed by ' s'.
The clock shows 6 h 28 min
